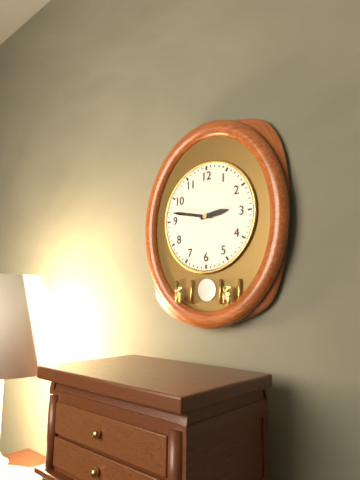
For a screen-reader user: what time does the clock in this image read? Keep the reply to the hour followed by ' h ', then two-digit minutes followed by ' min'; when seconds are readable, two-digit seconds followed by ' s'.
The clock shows 2 h 47 min
